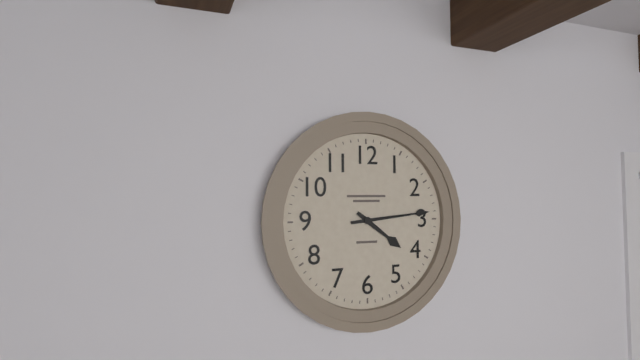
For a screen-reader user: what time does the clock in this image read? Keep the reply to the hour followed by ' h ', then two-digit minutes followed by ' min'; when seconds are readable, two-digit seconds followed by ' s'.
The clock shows 4 h 14 min
